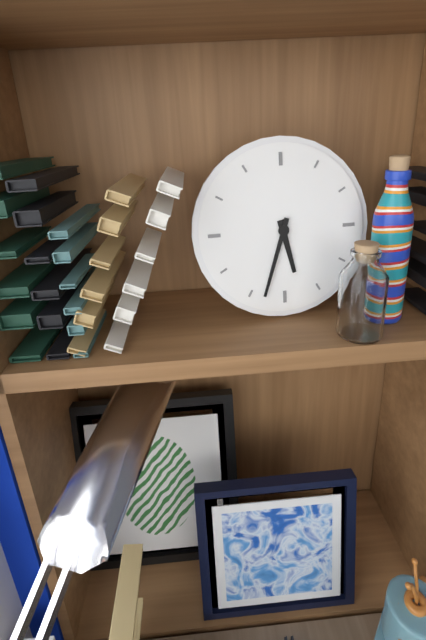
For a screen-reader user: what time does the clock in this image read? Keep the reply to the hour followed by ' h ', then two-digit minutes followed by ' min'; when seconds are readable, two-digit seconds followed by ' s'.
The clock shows 5 h 33 min
